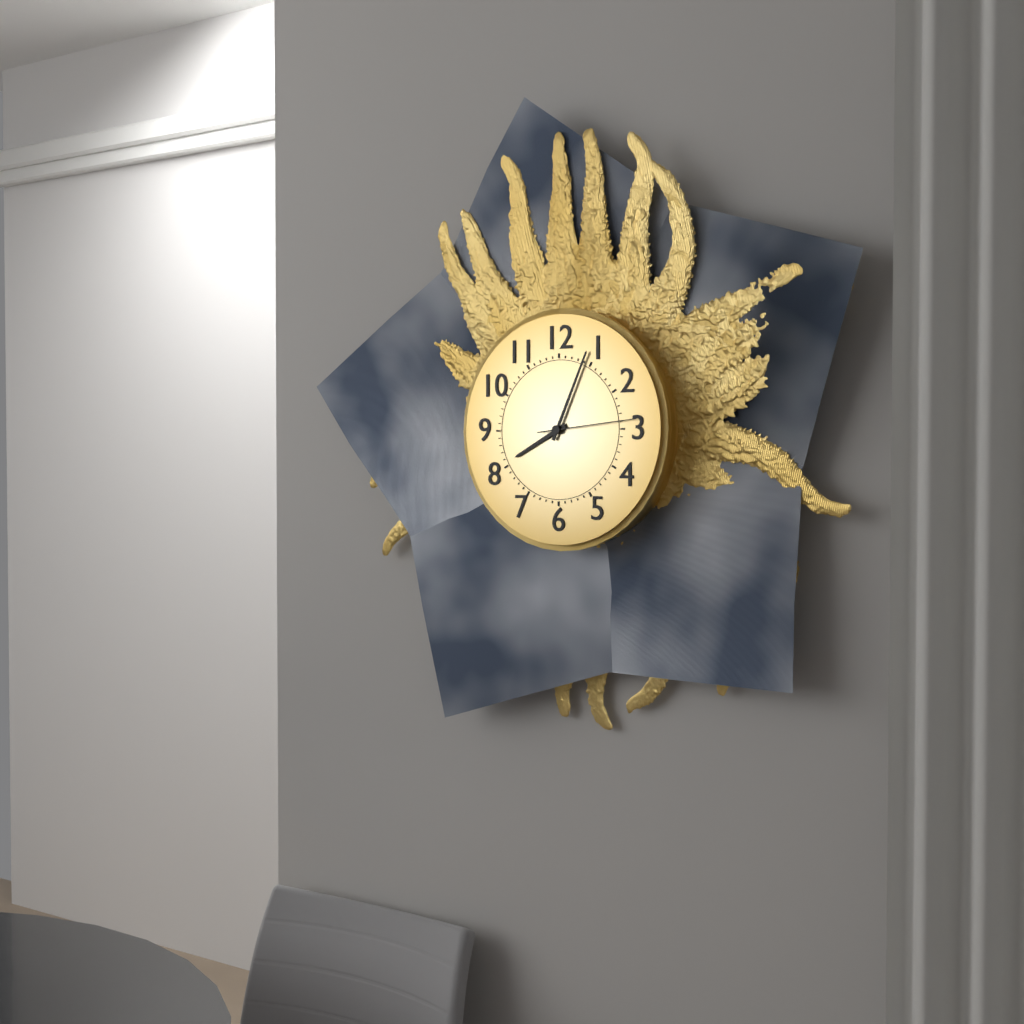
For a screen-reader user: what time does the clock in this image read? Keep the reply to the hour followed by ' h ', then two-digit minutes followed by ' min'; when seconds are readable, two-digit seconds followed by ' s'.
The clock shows 8 h 04 min 14 s
